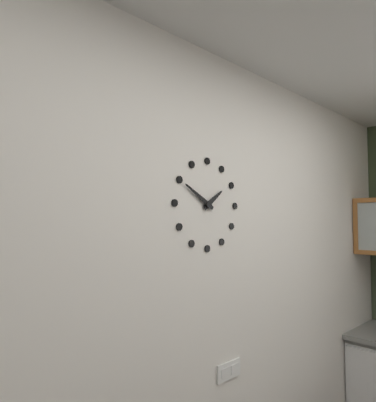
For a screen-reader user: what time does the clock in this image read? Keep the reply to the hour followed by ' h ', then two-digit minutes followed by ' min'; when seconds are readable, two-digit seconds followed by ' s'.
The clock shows 1 h 50 min
